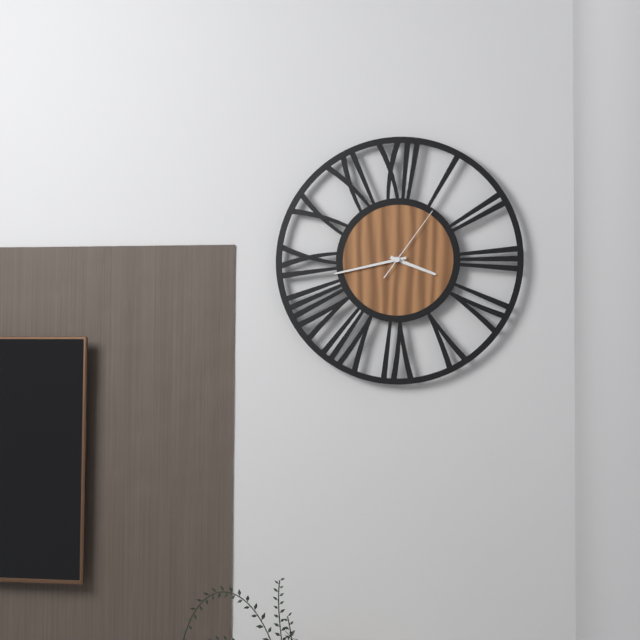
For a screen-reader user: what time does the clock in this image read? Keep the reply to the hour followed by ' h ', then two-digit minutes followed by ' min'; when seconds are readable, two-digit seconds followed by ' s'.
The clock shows 3 h 43 min 06 s
